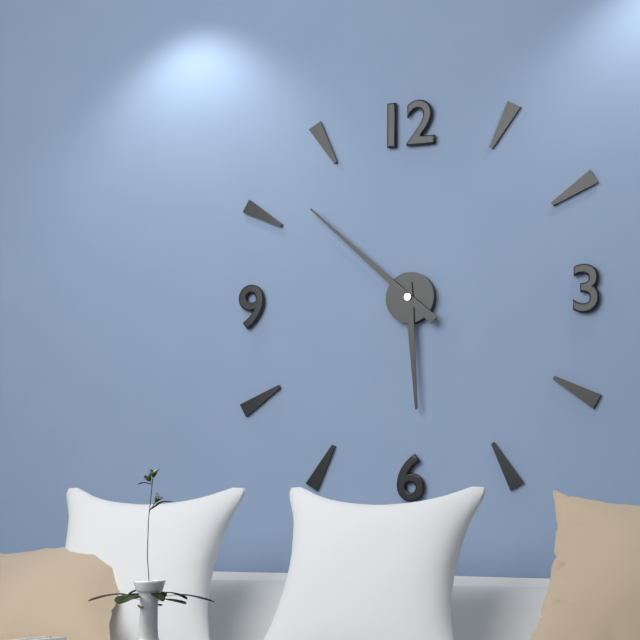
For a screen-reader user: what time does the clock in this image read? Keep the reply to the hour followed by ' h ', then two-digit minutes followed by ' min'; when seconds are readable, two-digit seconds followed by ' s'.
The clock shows 5 h 52 min
